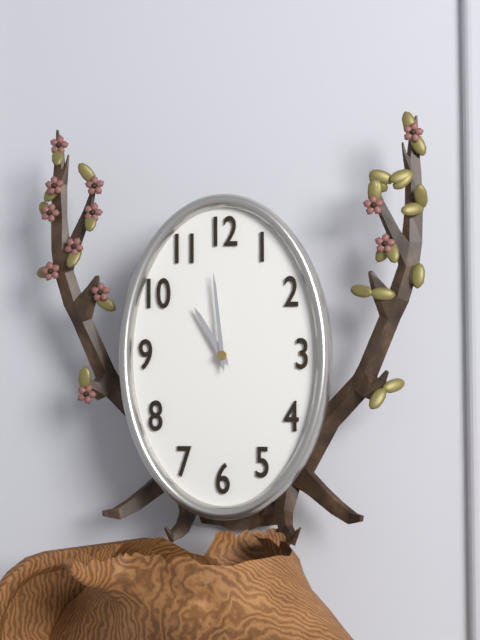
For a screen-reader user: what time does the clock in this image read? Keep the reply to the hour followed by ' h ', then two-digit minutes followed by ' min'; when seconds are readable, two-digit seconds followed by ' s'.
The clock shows 10 h 59 min
